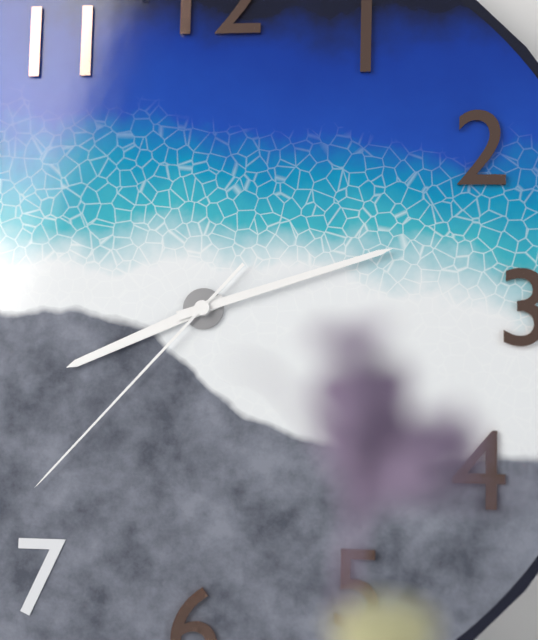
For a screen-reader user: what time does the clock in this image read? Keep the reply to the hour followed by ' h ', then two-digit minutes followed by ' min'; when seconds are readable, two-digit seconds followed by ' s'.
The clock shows 8 h 12 min 37 s
